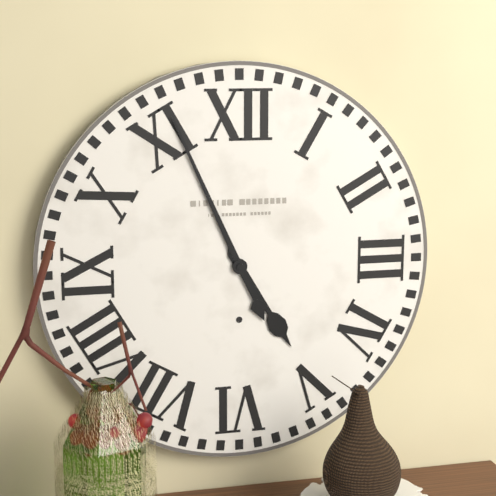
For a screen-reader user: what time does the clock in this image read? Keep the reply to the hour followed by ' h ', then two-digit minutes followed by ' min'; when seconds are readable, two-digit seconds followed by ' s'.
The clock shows 4 h 56 min
